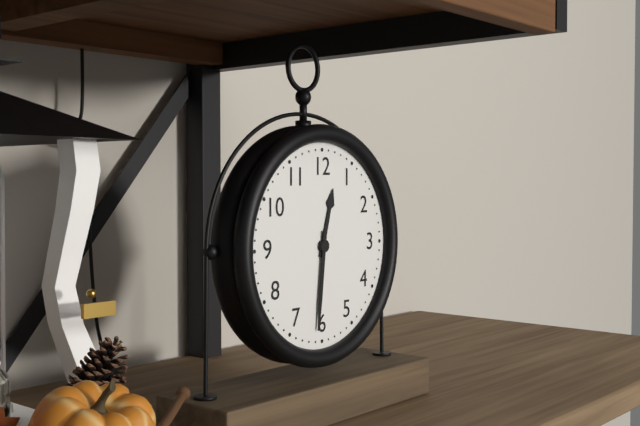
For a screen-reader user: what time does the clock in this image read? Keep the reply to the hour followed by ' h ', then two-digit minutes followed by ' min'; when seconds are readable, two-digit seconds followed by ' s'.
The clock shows 12 h 31 min
